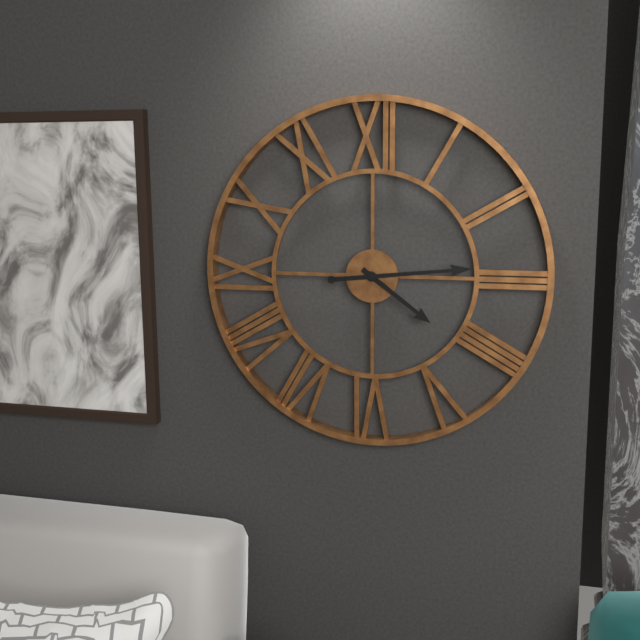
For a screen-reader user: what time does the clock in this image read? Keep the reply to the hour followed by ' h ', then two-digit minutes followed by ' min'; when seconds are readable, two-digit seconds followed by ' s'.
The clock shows 4 h 14 min
